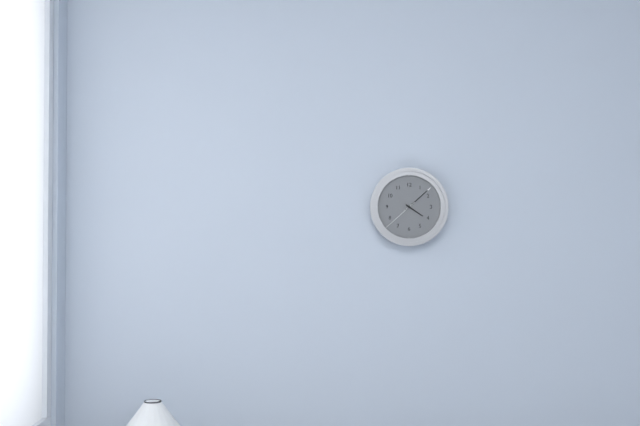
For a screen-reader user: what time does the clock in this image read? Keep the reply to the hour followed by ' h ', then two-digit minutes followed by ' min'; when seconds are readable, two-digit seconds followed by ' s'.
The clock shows 4 h 08 min
